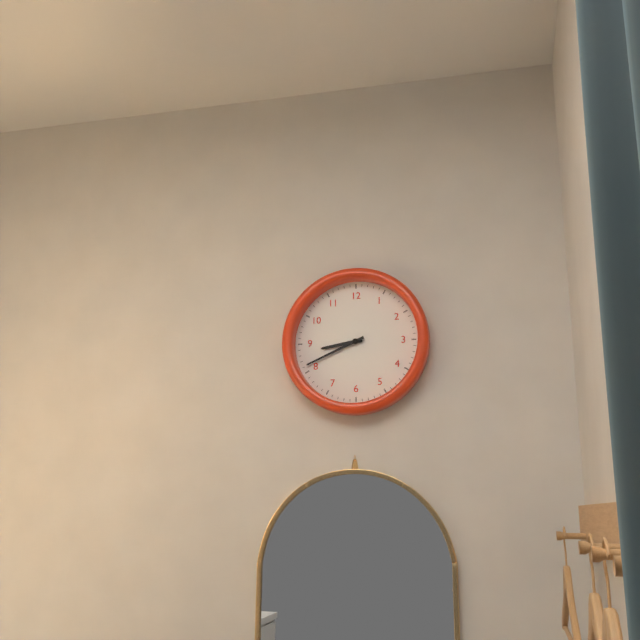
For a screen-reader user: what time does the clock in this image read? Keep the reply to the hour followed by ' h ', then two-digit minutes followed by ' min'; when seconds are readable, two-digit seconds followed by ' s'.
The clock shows 8 h 41 min
